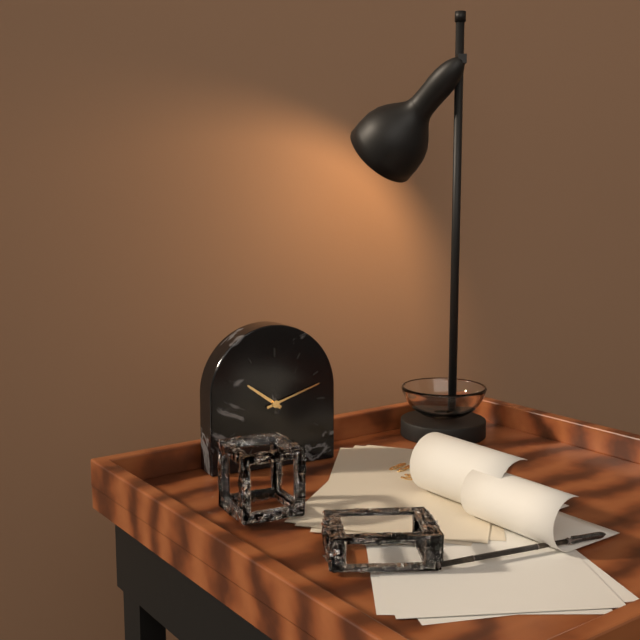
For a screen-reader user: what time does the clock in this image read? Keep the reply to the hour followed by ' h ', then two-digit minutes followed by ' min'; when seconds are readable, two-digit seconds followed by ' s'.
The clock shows 10 h 12 min
